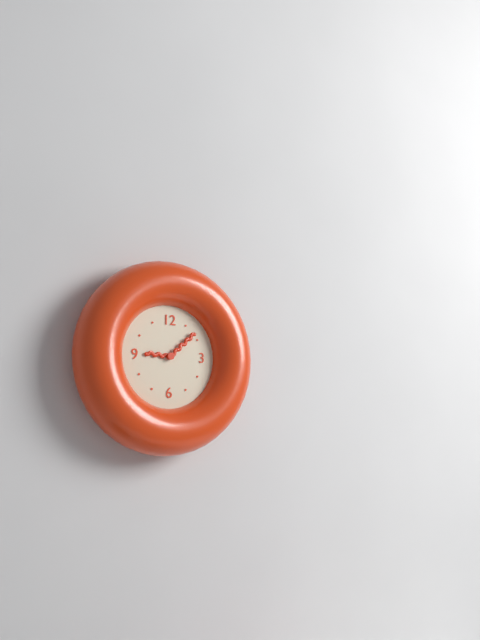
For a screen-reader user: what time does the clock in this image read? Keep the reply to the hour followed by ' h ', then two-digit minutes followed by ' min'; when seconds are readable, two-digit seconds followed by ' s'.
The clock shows 9 h 08 min
